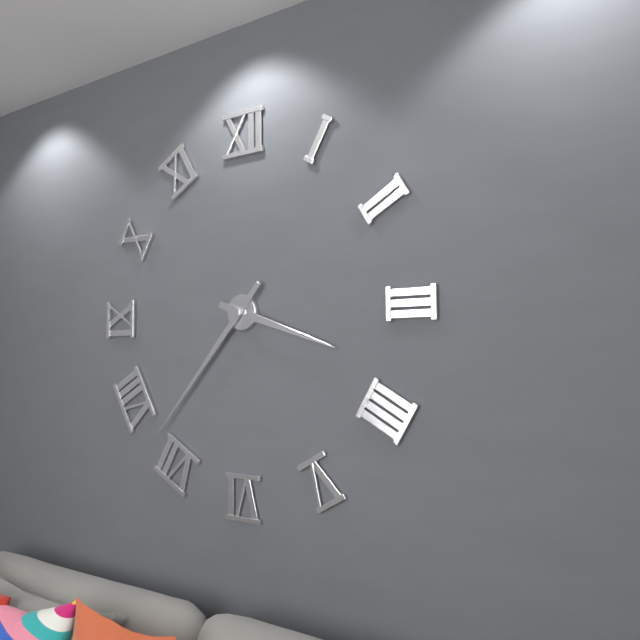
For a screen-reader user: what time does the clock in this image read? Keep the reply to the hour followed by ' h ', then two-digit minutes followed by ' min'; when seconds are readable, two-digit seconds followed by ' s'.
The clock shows 3 h 37 min
